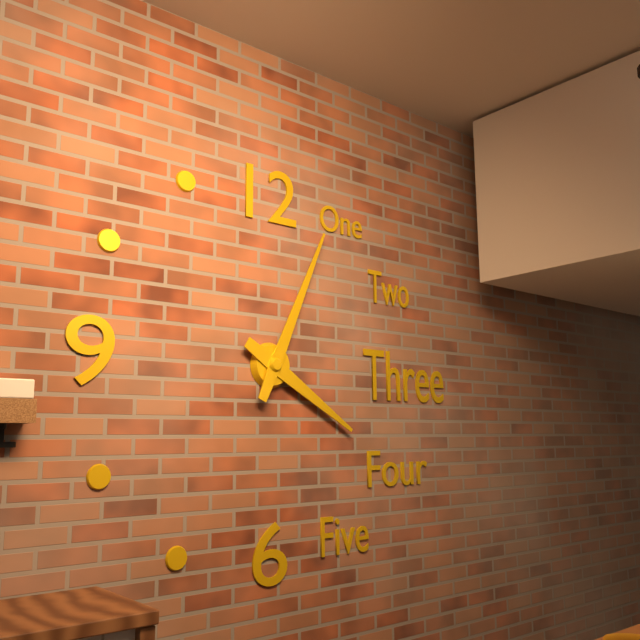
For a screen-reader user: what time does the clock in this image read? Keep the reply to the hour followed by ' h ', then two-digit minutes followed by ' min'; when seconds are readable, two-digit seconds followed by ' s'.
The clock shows 4 h 04 min
